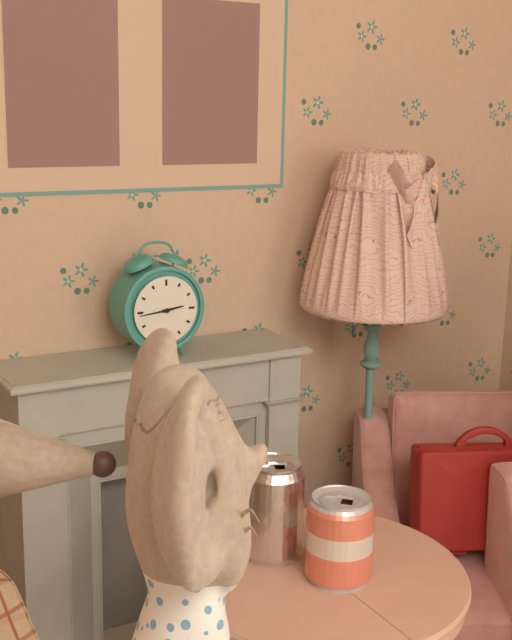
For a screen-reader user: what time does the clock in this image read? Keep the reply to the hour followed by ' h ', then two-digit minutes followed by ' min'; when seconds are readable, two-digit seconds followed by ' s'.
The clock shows 2 h 44 min
